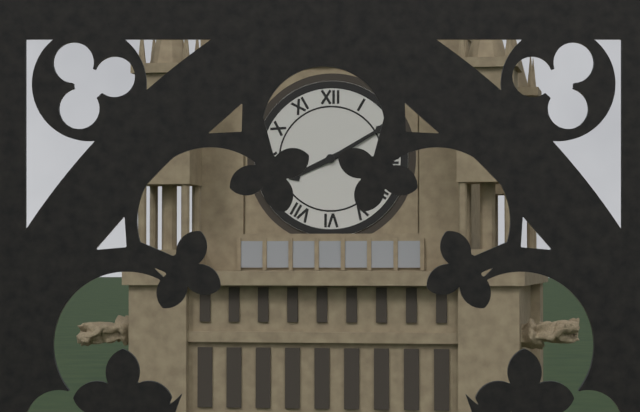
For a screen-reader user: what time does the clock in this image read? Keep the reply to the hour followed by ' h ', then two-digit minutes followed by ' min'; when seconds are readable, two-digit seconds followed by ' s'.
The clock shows 8 h 10 min
